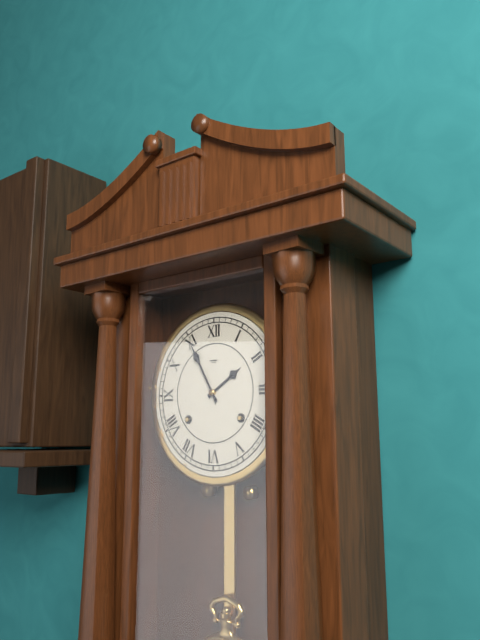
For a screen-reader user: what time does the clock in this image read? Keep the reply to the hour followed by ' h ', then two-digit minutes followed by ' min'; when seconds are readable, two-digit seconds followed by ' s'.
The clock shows 1 h 55 min
